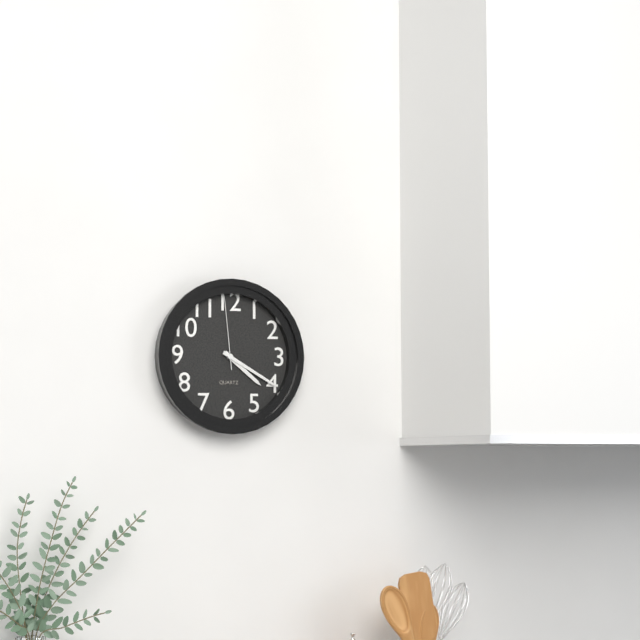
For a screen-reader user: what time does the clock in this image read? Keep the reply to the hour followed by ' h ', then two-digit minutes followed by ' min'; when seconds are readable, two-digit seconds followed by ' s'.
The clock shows 4 h 20 min 59 s
